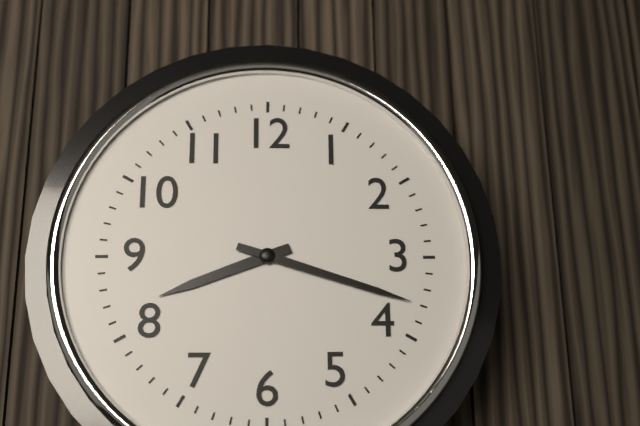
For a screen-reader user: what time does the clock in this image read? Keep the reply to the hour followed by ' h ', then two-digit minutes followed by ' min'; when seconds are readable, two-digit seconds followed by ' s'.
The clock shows 8 h 18 min
